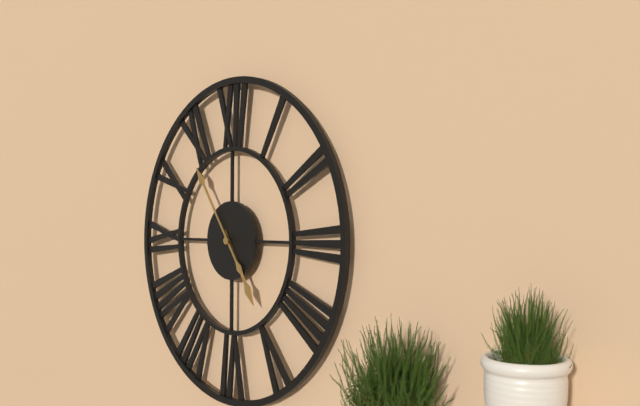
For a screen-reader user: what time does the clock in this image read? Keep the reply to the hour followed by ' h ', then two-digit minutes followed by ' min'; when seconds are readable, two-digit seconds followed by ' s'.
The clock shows 4 h 54 min
